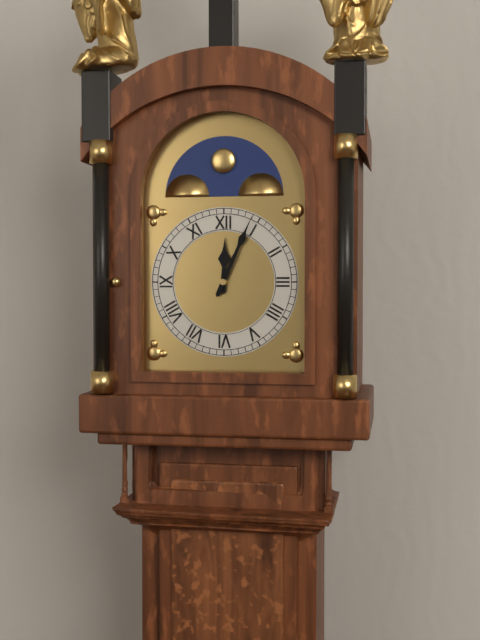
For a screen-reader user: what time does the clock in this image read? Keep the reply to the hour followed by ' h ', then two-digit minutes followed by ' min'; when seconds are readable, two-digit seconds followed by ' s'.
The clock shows 12 h 04 min
